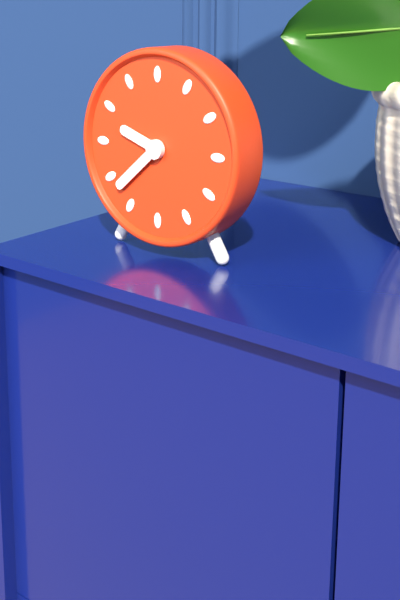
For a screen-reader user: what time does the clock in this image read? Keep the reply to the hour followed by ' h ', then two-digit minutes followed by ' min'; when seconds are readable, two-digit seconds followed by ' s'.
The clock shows 9 h 38 min
